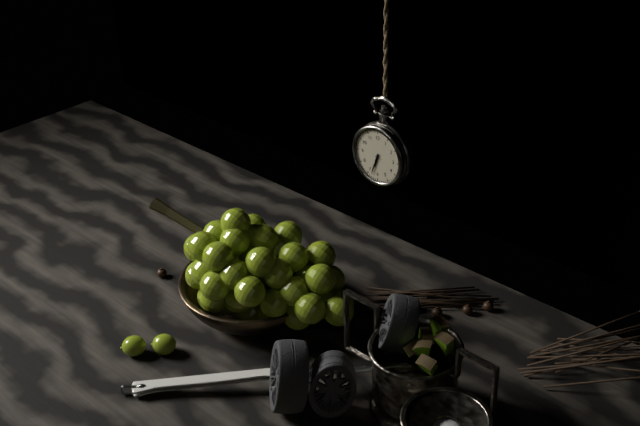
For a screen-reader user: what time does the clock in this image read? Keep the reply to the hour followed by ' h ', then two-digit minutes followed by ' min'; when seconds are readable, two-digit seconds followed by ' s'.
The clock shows 6 h 33 min
